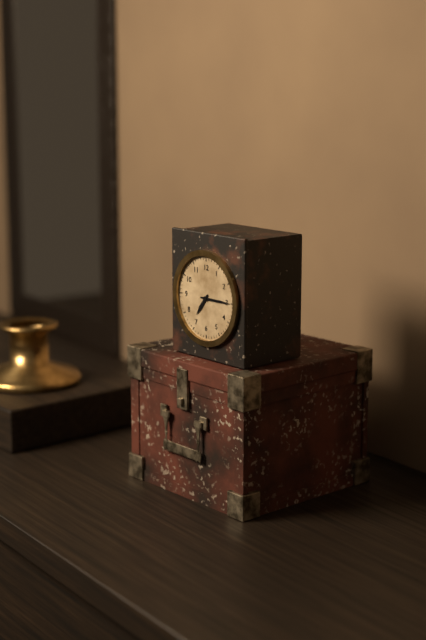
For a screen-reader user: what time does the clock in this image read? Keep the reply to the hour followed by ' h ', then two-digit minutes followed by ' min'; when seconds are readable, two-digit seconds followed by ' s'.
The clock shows 7 h 15 min
